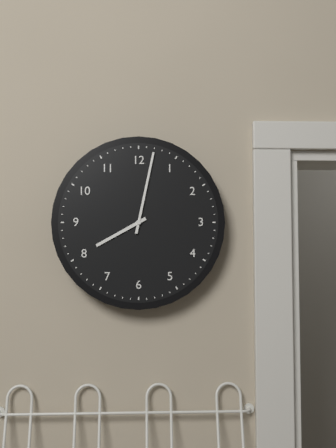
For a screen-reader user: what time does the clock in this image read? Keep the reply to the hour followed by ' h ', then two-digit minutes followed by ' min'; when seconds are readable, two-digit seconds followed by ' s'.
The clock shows 8 h 02 min
